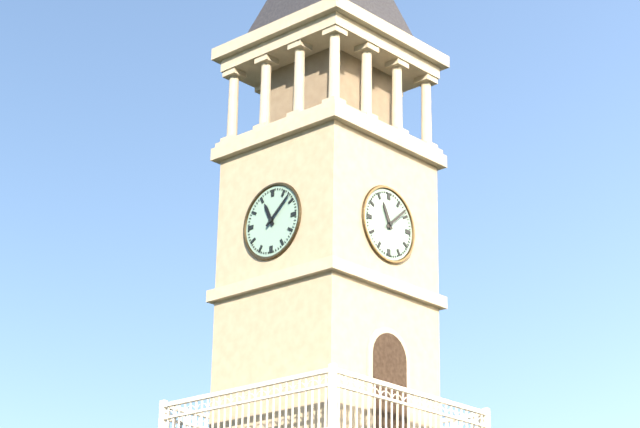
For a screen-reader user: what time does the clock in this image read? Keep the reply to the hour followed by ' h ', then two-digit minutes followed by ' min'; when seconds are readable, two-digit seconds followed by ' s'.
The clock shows 11 h 08 min
